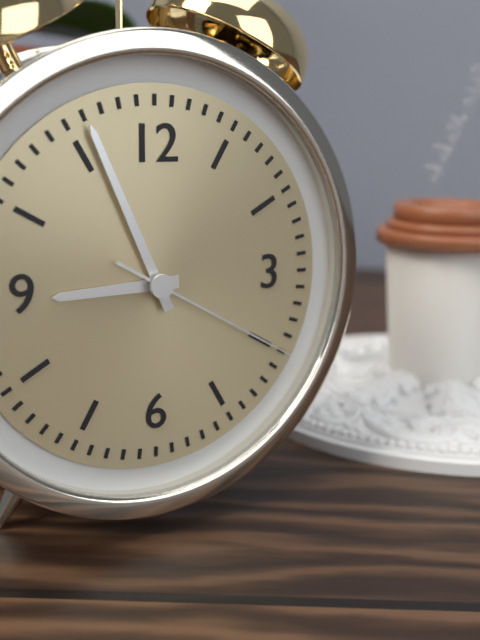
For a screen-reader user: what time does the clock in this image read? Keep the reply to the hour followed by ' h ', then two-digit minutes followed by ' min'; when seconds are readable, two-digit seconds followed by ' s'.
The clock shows 8 h 56 min 20 s
